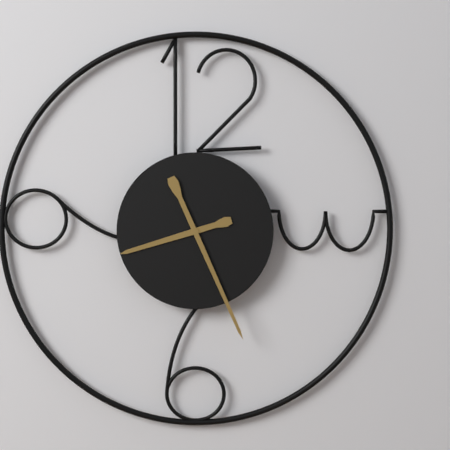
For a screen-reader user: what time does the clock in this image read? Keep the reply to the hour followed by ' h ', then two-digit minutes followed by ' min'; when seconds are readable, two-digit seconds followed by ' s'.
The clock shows 8 h 26 min
